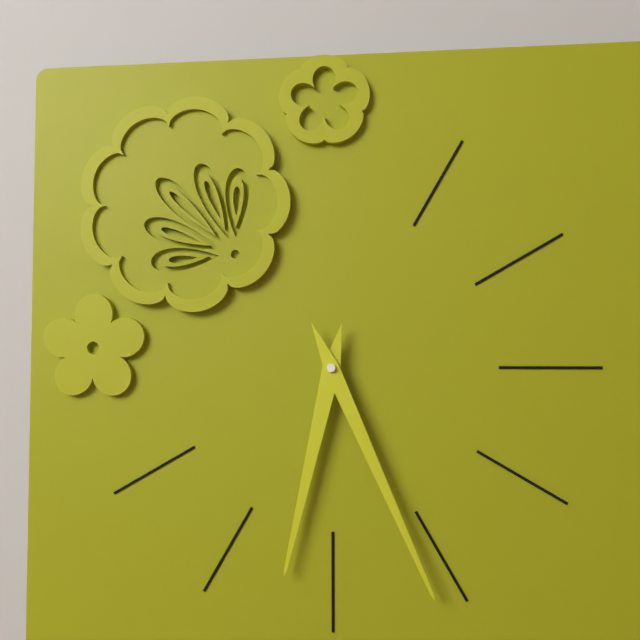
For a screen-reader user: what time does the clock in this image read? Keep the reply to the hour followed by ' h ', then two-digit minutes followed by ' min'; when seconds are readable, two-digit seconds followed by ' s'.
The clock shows 6 h 26 min
